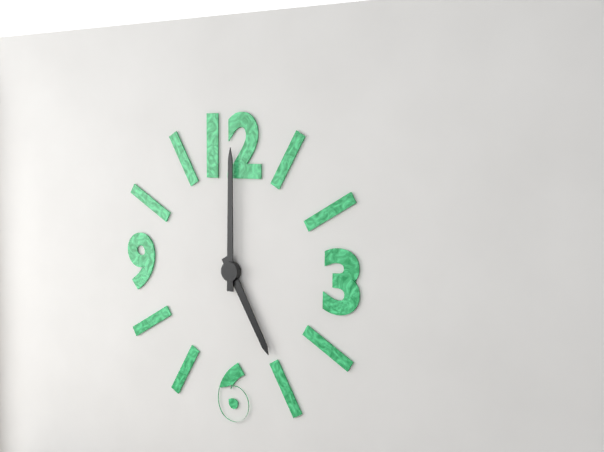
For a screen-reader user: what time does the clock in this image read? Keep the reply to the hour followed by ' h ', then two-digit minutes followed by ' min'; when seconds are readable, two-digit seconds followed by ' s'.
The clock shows 5 h 00 min
